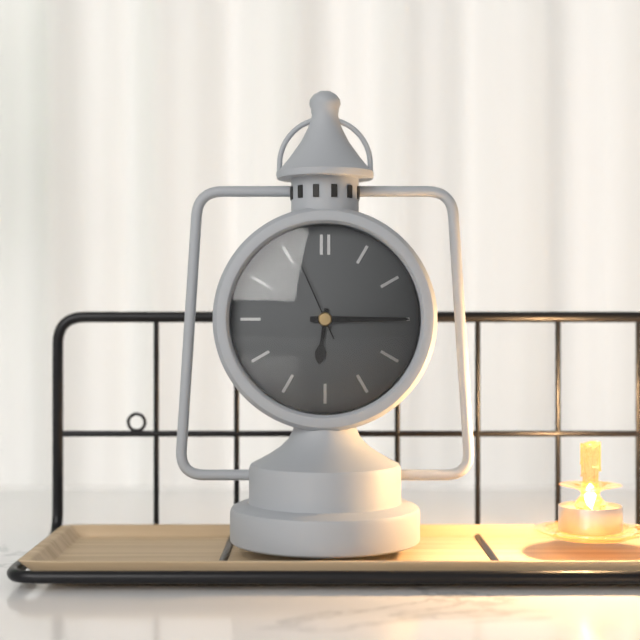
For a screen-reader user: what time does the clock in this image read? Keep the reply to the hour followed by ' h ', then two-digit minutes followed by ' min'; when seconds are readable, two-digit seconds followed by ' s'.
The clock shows 6 h 15 min 56 s
